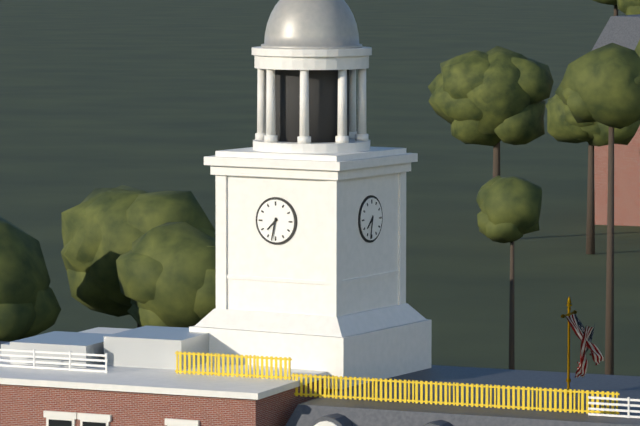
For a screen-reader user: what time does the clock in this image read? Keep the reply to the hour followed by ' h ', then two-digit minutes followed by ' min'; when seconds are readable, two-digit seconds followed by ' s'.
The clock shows 7 h 32 min
